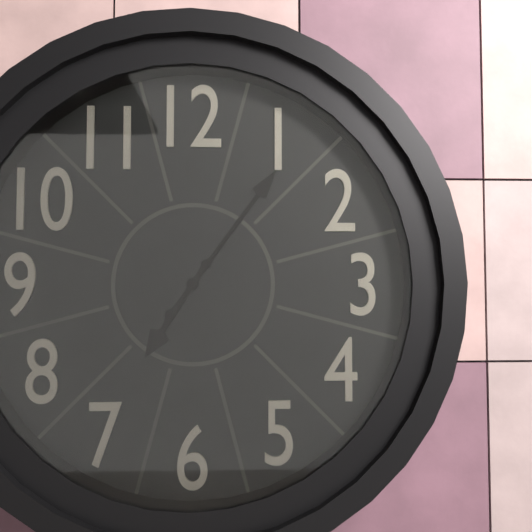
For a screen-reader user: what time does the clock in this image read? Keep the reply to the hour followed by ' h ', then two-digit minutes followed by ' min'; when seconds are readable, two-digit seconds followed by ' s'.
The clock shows 7 h 06 min
